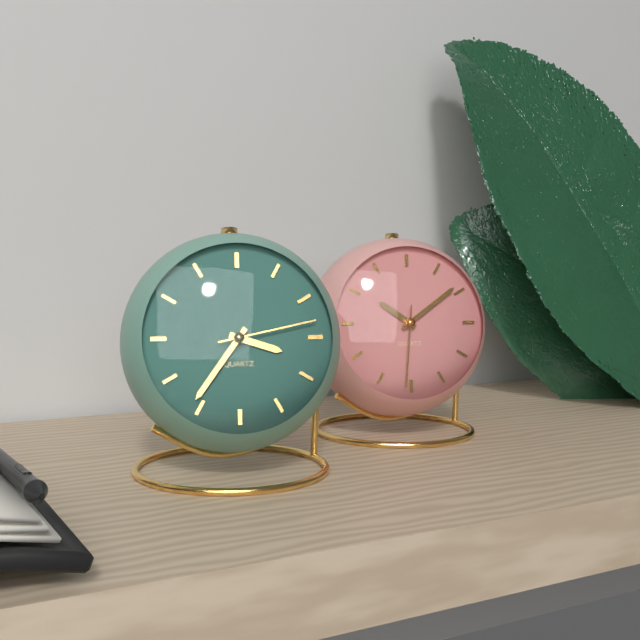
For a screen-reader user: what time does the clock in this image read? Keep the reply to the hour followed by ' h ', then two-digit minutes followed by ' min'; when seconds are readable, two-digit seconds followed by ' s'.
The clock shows 3 h 36 min 13 s
